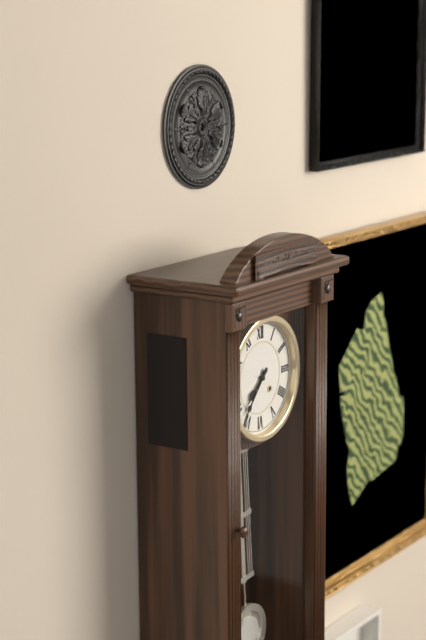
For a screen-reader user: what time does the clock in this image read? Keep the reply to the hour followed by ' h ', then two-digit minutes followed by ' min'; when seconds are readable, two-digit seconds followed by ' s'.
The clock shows 7 h 37 min
